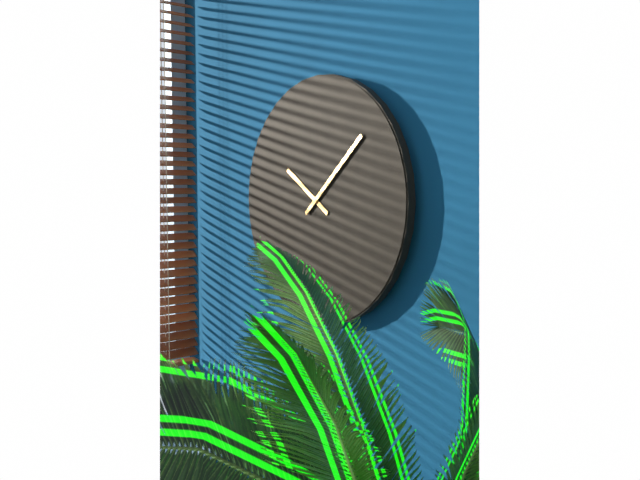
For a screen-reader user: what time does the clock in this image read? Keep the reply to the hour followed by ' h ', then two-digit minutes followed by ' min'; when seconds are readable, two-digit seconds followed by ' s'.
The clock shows 10 h 08 min
